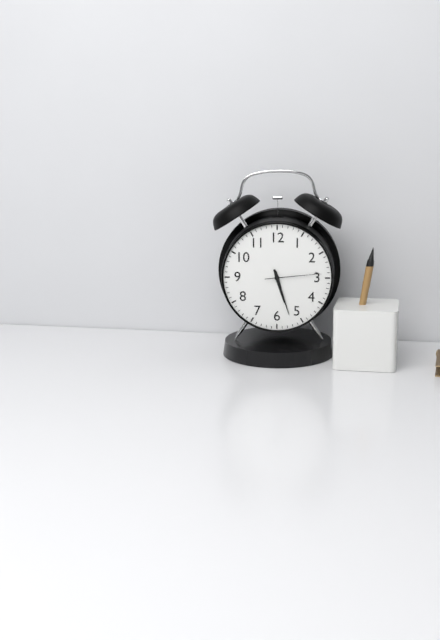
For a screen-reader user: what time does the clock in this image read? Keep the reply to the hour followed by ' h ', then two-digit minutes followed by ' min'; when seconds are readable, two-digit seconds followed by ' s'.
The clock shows 5 h 27 min 14 s
